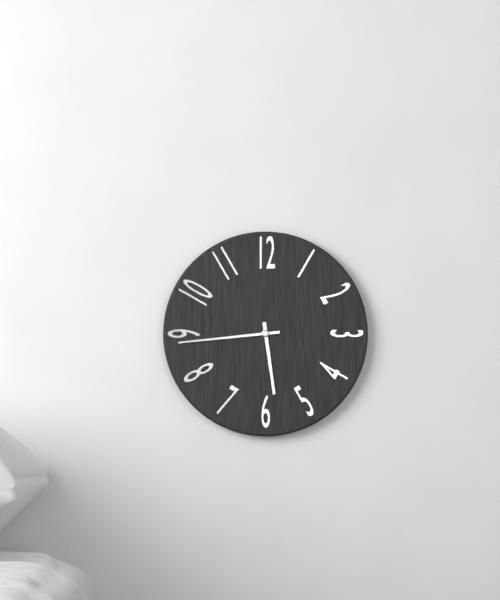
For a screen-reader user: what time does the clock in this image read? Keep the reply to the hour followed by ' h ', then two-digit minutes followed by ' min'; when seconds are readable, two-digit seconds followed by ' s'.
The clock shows 5 h 44 min
